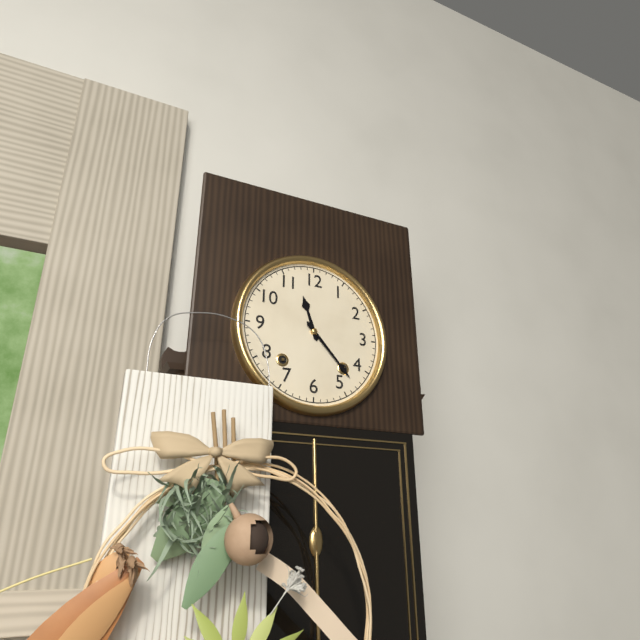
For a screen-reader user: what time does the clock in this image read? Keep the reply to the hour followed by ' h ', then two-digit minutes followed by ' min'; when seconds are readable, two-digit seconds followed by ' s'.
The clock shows 11 h 23 min
